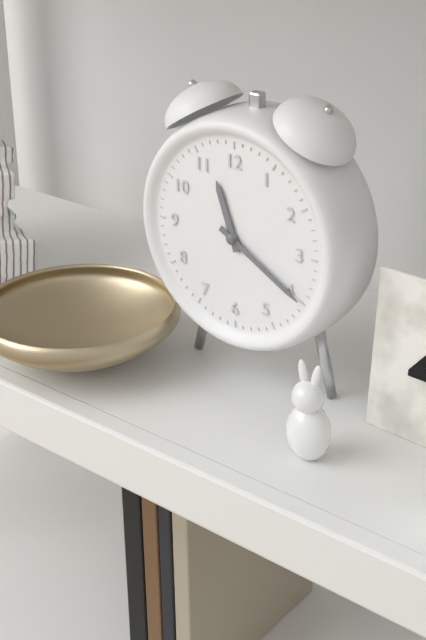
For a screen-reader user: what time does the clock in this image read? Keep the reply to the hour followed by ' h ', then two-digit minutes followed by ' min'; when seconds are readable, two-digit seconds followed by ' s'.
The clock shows 11 h 20 min
